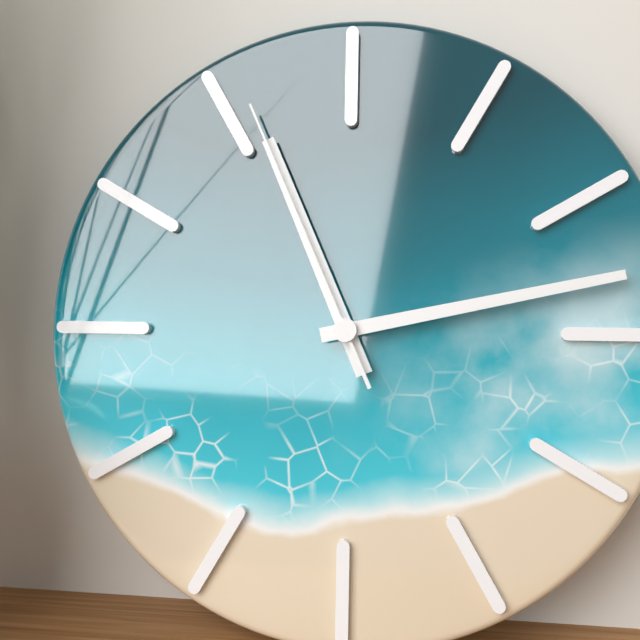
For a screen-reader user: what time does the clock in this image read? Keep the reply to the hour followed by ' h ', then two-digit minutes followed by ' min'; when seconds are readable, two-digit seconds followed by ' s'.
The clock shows 11 h 13 min 56 s
